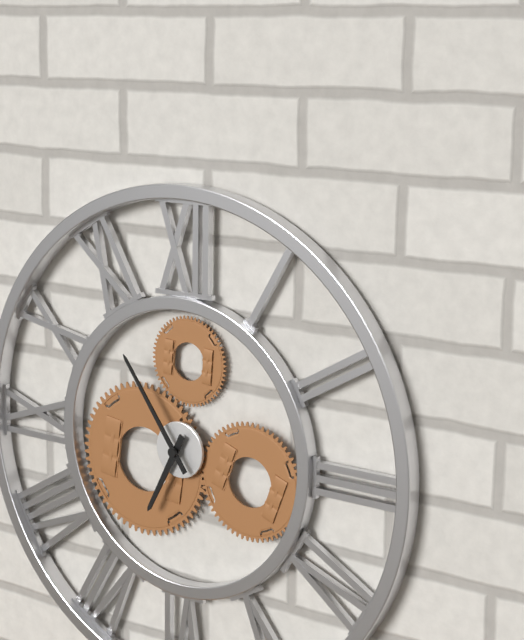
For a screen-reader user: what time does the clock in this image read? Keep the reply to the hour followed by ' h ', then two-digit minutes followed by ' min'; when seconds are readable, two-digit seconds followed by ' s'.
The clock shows 6 h 54 min
